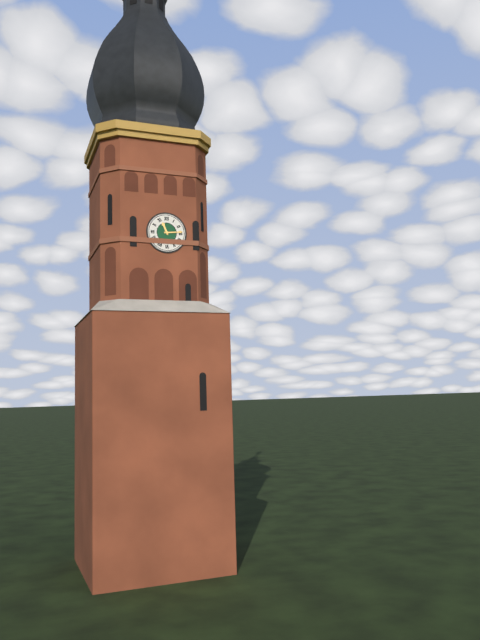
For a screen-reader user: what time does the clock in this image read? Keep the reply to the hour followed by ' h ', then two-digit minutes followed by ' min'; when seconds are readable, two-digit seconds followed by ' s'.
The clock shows 11 h 14 min
